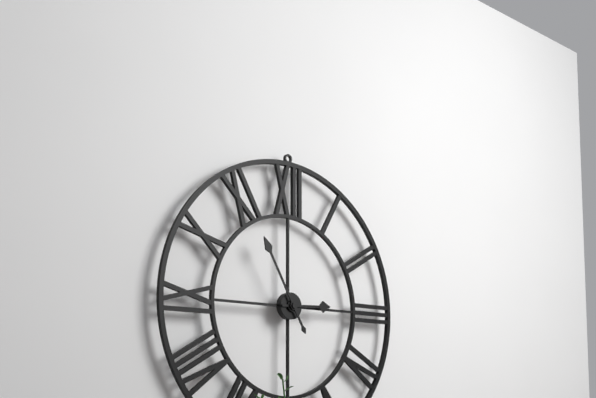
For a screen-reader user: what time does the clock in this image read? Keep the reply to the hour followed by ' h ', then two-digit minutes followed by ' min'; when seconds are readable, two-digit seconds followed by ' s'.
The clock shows 2 h 55 min
